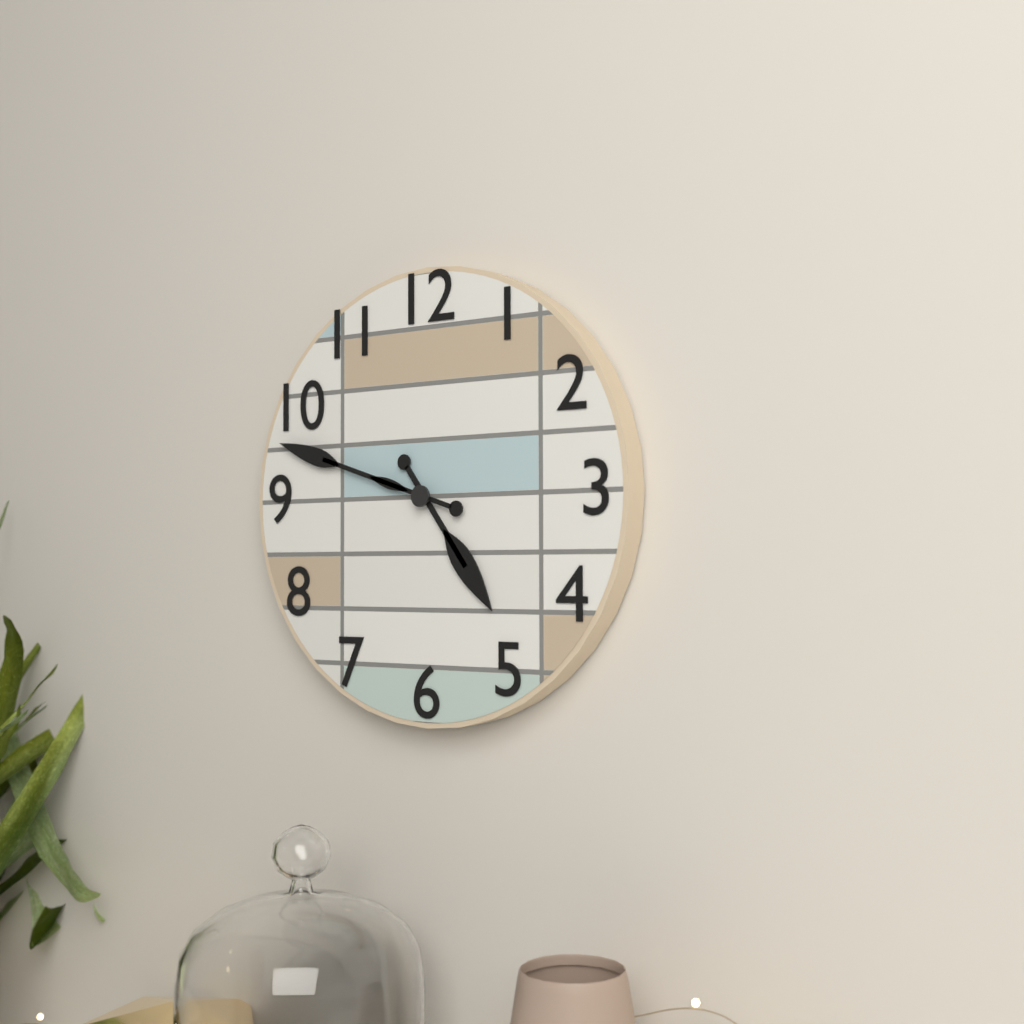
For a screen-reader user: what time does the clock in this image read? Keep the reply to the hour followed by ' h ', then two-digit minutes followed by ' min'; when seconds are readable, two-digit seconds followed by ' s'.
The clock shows 4 h 48 min
